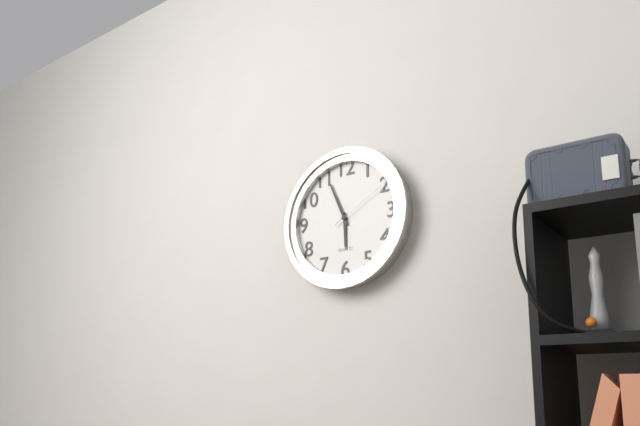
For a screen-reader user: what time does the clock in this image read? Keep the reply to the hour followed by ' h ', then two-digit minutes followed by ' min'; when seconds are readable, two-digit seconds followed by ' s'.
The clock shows 5 h 56 min 10 s
